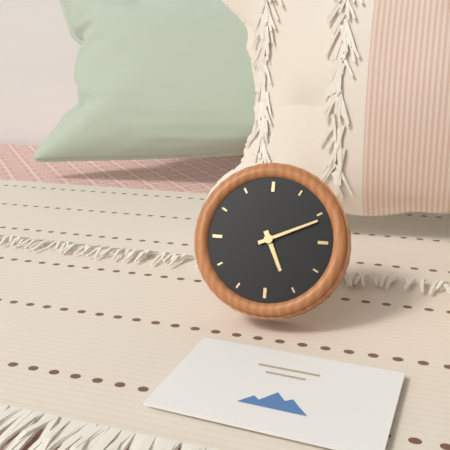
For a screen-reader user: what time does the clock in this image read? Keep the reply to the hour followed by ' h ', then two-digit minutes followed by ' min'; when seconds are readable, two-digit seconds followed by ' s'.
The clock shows 5 h 11 min
